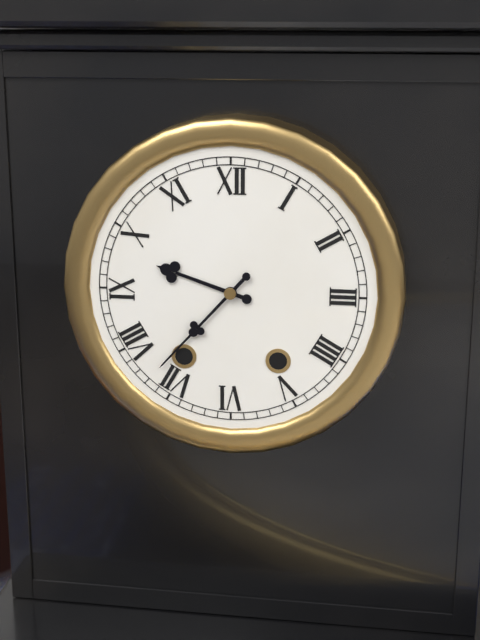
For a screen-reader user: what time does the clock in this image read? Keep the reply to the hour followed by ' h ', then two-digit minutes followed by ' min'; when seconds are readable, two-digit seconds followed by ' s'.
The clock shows 9 h 37 min
